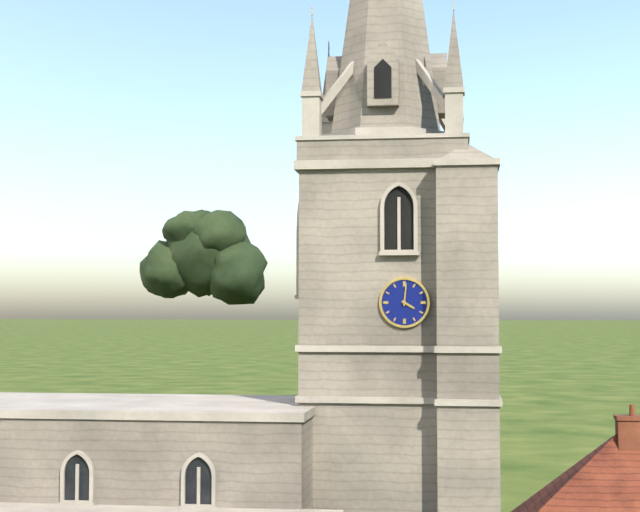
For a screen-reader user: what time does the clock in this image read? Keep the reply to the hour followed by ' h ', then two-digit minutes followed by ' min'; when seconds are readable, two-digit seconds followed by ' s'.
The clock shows 4 h 01 min
